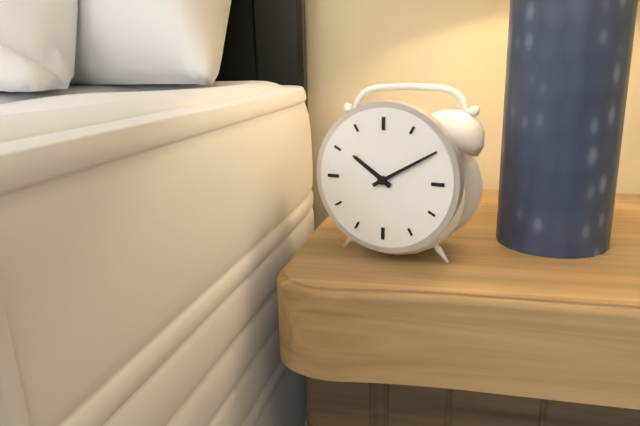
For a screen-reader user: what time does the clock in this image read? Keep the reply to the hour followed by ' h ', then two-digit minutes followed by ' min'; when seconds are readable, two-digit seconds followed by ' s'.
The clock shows 10 h 10 min
